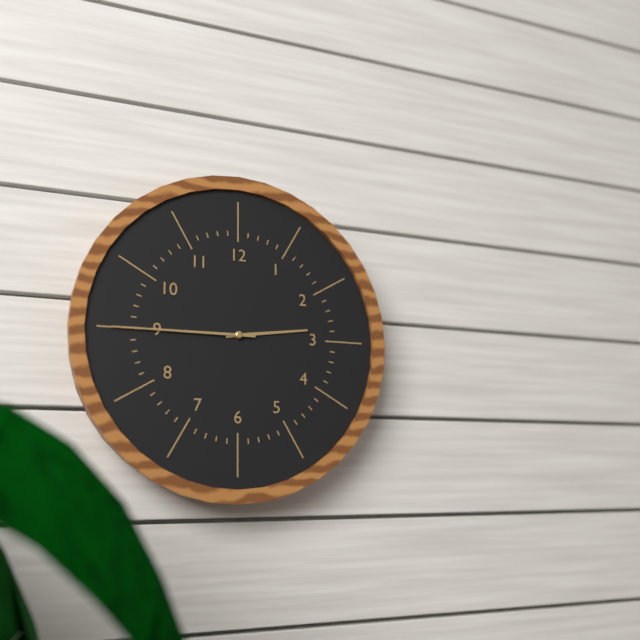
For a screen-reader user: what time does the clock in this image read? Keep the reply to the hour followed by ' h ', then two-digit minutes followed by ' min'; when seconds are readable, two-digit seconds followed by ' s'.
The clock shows 2 h 45 min
